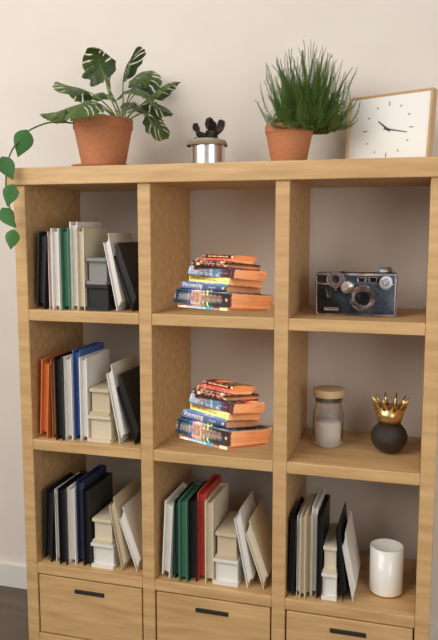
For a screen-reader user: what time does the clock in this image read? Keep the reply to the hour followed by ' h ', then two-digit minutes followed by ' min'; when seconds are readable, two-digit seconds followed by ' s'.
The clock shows 10 h 17 min
